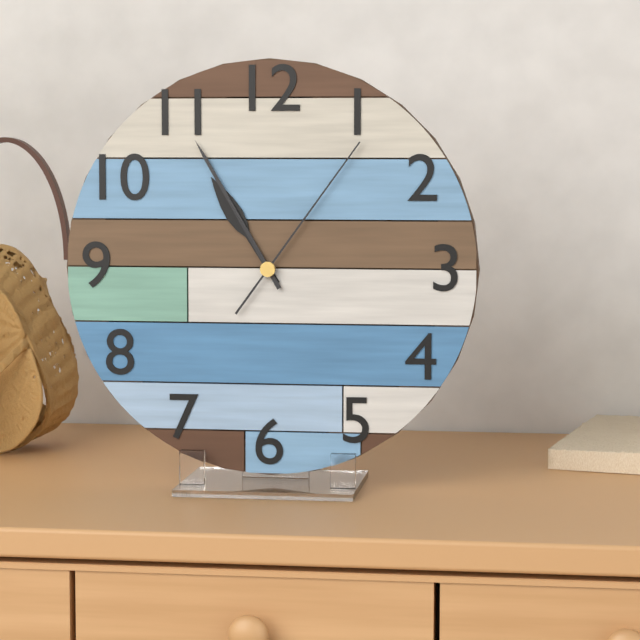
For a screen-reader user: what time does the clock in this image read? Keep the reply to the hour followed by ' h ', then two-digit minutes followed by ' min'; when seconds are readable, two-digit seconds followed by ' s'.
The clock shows 10 h 55 min 06 s
